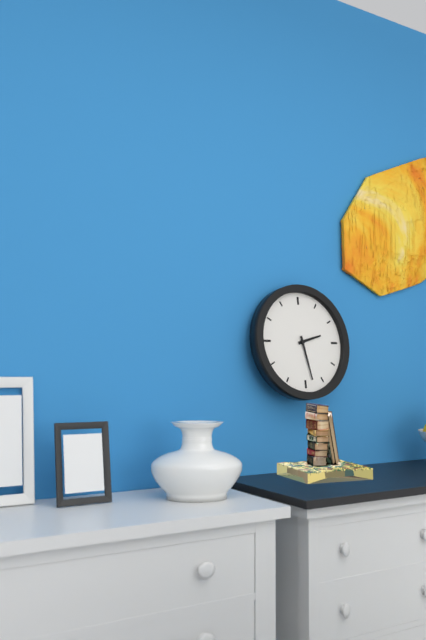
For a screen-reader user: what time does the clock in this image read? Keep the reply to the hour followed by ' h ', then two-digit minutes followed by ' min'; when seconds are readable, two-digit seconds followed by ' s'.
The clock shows 2 h 28 min
